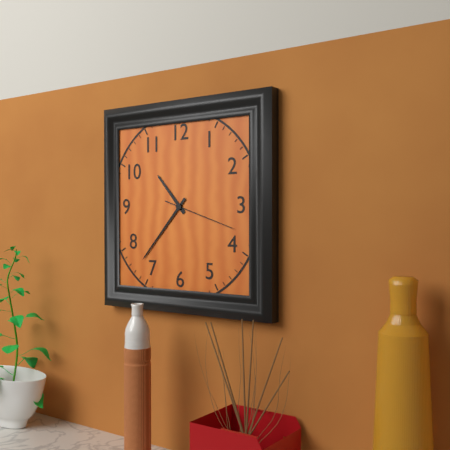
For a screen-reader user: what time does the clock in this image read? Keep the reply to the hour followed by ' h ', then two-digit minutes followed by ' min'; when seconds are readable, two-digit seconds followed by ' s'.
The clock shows 10 h 37 min 18 s
